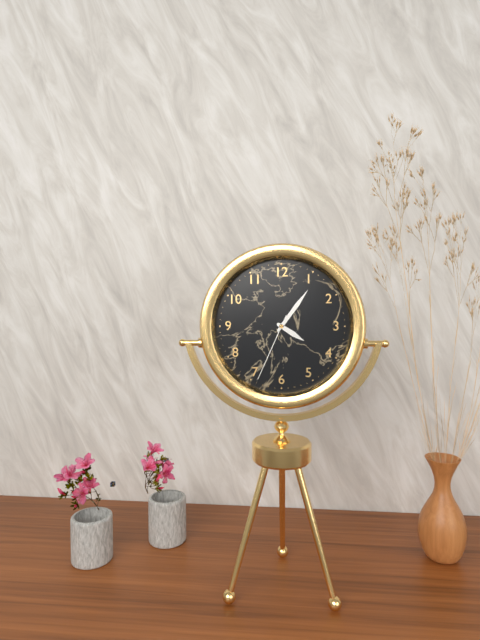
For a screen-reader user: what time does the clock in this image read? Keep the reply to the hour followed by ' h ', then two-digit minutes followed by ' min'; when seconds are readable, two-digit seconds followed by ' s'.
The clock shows 4 h 06 min 34 s
